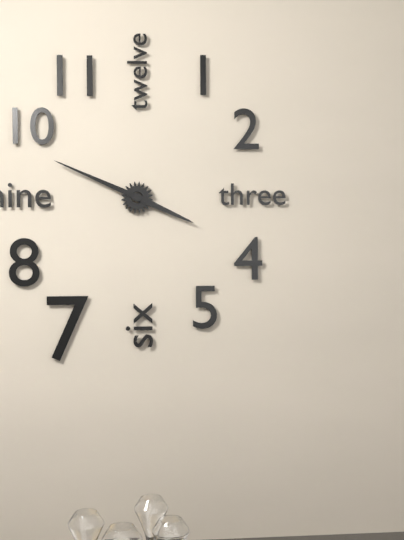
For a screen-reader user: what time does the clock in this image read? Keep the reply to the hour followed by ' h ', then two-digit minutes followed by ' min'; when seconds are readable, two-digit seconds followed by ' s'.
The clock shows 3 h 49 min
